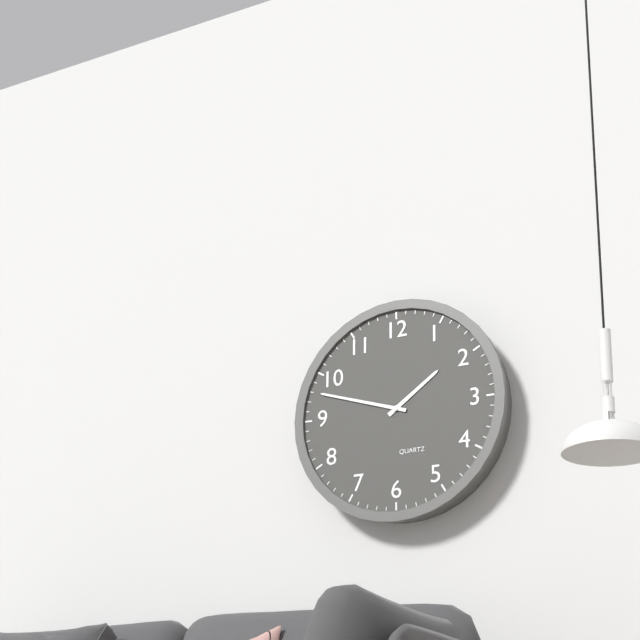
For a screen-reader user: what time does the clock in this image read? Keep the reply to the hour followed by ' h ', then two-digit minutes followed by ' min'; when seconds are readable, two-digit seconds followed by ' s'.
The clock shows 1 h 48 min
